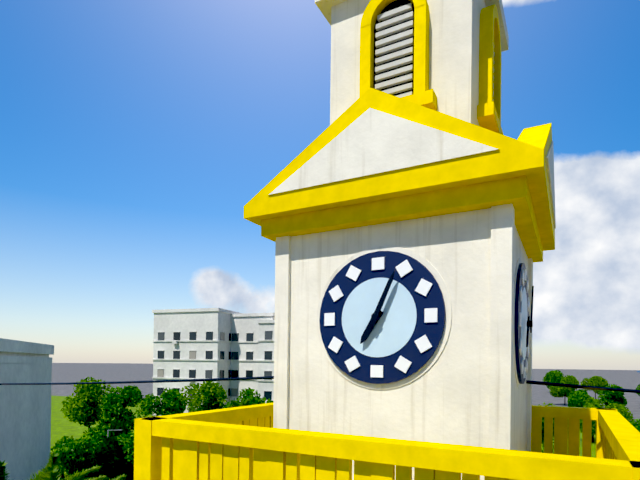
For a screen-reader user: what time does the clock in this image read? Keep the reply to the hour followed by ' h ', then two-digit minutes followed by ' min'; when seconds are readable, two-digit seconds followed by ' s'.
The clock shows 7 h 04 min
